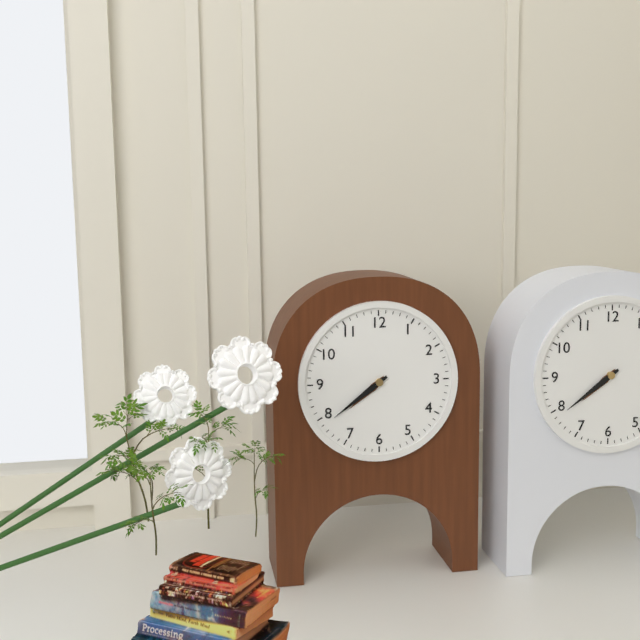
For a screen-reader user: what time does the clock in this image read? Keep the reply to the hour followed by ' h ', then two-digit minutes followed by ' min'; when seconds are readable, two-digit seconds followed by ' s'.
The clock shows 7 h 39 min
